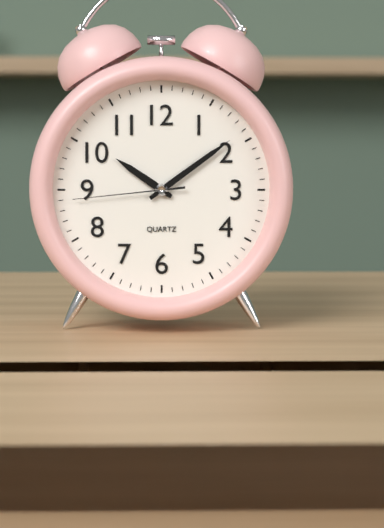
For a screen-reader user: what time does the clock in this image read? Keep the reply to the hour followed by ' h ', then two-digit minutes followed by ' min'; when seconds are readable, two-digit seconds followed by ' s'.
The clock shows 10 h 09 min 44 s
